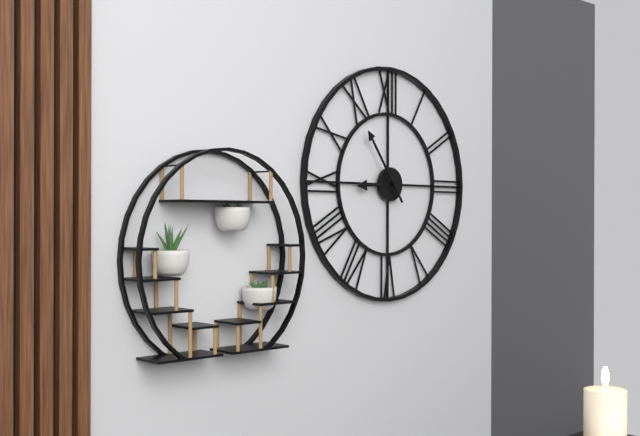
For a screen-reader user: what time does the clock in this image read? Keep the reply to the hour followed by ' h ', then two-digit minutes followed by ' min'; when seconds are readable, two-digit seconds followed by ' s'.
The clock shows 8 h 54 min
